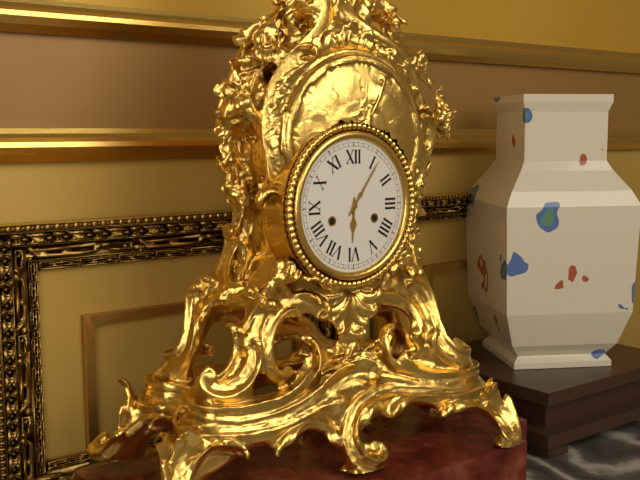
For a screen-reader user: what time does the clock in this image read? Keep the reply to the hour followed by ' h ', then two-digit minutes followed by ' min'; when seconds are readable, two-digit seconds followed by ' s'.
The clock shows 6 h 06 min
